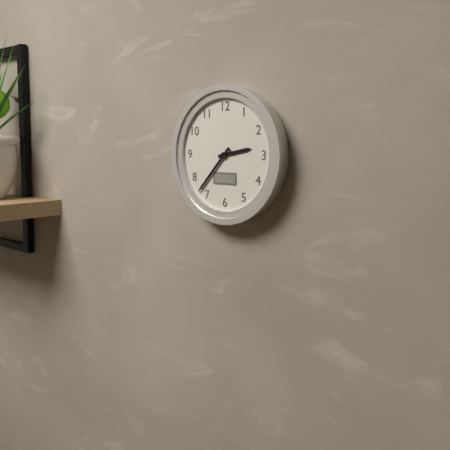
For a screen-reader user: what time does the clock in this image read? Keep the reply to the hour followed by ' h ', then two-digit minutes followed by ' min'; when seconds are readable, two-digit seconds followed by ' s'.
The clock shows 2 h 37 min
